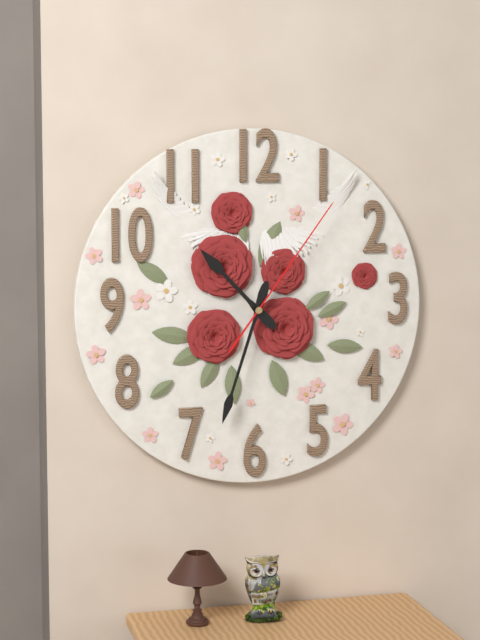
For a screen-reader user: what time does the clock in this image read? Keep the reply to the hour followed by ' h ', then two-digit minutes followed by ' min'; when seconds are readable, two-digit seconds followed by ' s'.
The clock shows 10 h 33 min 06 s
